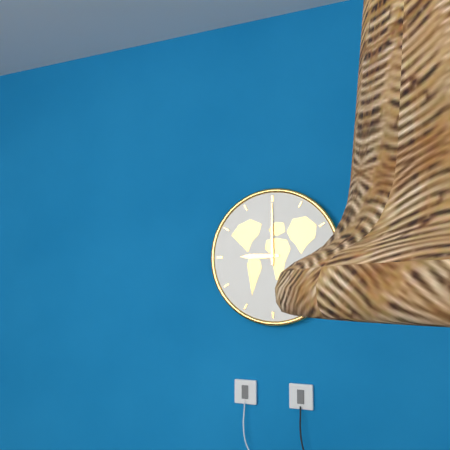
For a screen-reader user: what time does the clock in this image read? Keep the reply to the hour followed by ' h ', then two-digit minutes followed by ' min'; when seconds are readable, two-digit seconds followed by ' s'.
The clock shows 9 h 00 min
